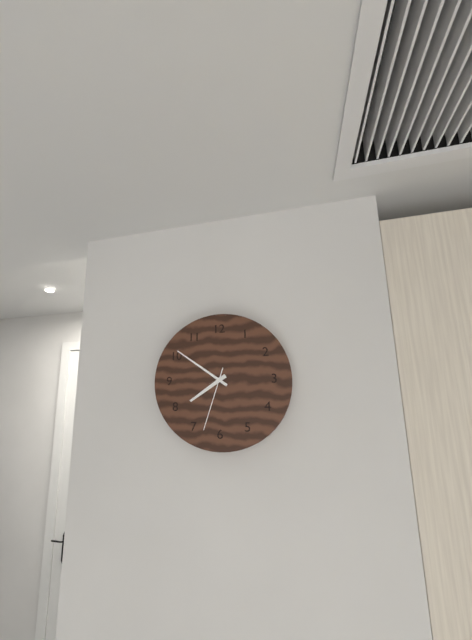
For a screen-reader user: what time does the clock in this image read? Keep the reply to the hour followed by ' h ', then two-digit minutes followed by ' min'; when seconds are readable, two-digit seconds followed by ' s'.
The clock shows 7 h 51 min 33 s
